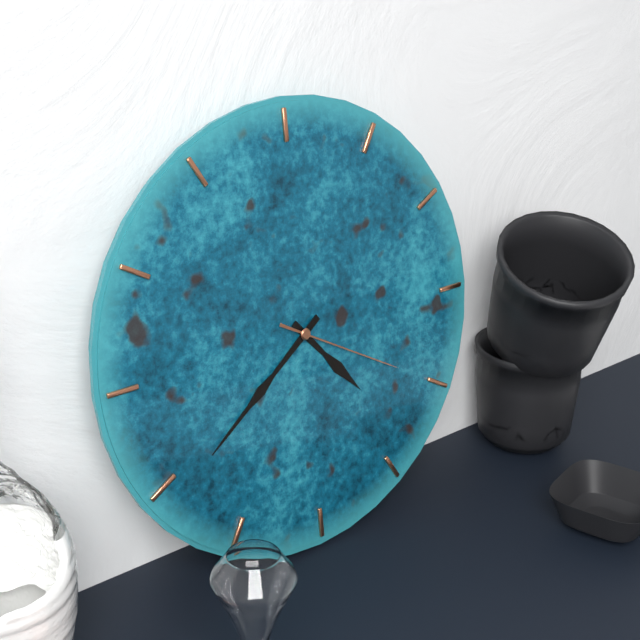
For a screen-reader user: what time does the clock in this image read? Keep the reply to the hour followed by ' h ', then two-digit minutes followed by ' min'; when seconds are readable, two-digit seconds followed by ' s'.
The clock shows 4 h 39 min 20 s
